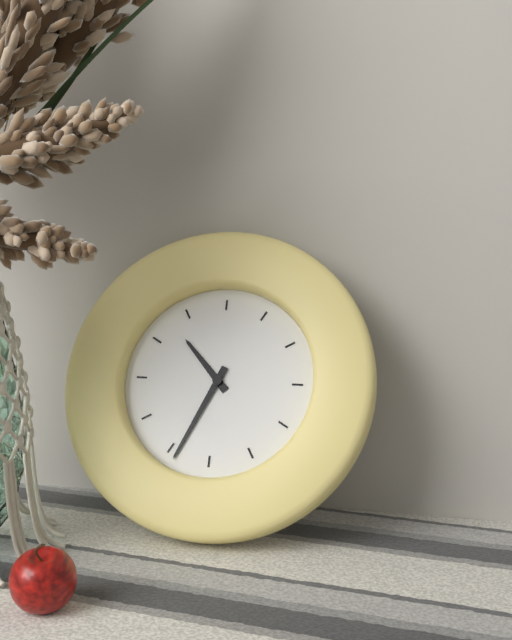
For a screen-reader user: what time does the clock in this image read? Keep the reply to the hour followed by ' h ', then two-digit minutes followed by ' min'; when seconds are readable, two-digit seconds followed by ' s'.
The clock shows 10 h 34 min
